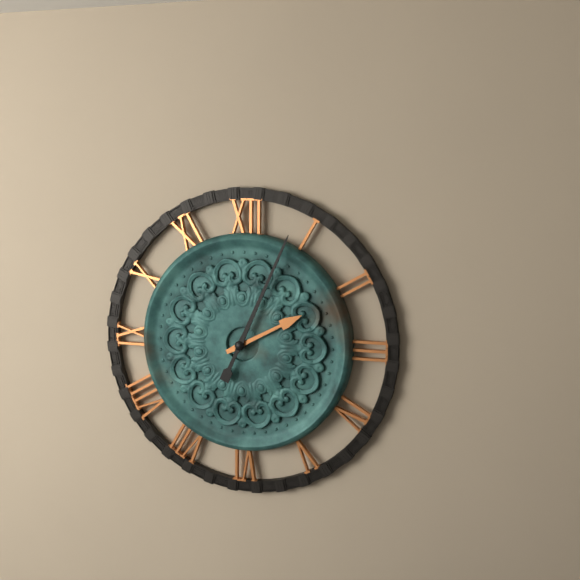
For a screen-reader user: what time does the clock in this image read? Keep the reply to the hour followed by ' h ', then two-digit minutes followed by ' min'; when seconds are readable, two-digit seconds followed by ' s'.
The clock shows 2 h 04 min
